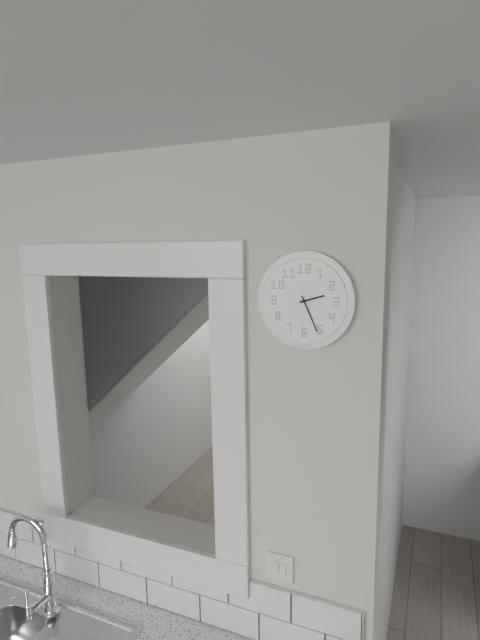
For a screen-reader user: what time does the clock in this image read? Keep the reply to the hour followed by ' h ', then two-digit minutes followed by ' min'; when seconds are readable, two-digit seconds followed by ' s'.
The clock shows 2 h 26 min
